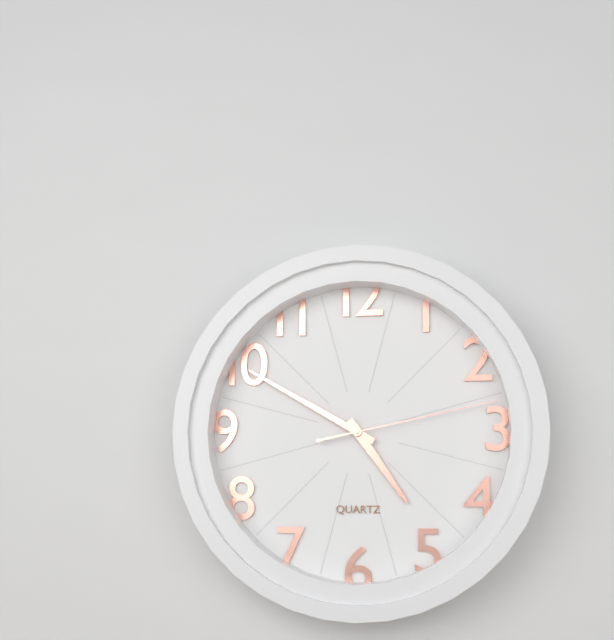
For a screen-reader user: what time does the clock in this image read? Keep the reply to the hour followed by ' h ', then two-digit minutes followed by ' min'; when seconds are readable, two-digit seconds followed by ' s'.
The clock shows 4 h 50 min 13 s
